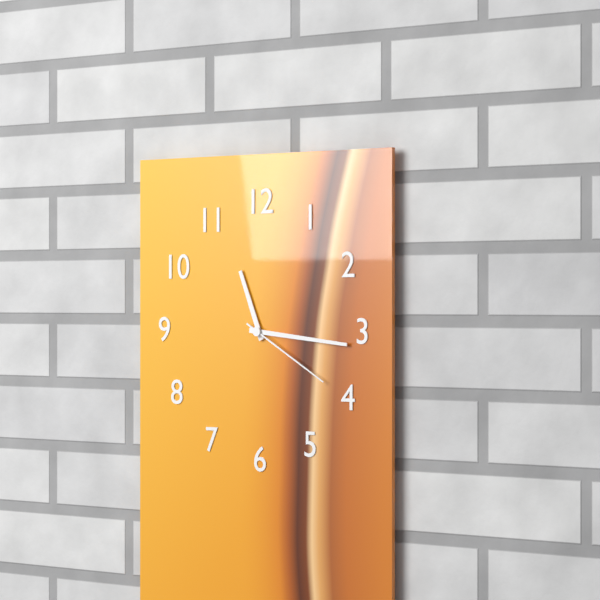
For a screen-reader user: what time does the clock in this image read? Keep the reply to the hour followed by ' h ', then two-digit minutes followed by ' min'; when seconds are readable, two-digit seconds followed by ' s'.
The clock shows 11 h 16 min 20 s
